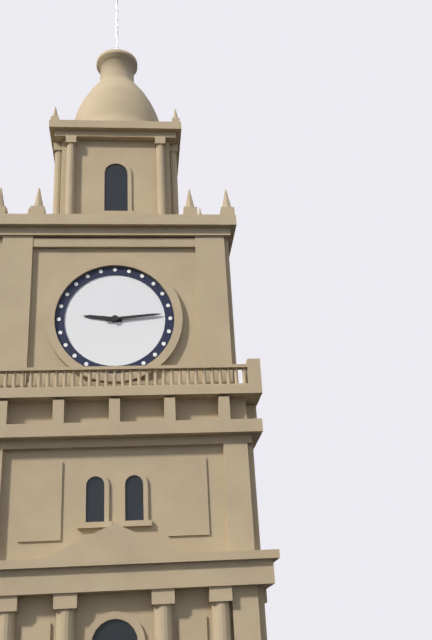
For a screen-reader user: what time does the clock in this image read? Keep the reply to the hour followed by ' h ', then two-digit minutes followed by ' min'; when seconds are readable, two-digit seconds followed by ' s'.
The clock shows 9 h 14 min
